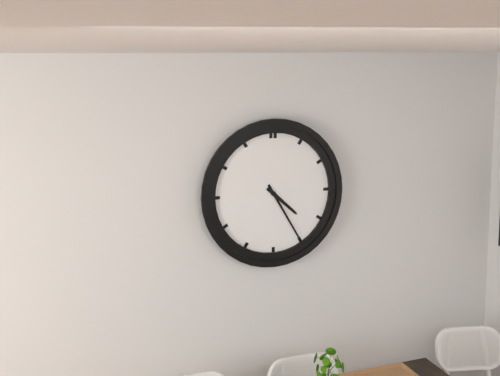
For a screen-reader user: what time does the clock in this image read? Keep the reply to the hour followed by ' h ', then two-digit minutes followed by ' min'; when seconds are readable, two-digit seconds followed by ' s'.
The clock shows 4 h 25 min
